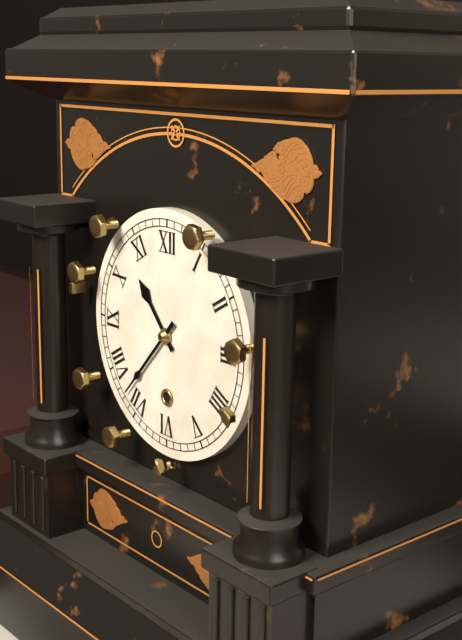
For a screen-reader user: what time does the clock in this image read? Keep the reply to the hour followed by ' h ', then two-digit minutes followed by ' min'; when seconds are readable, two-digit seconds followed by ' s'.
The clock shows 10 h 37 min
